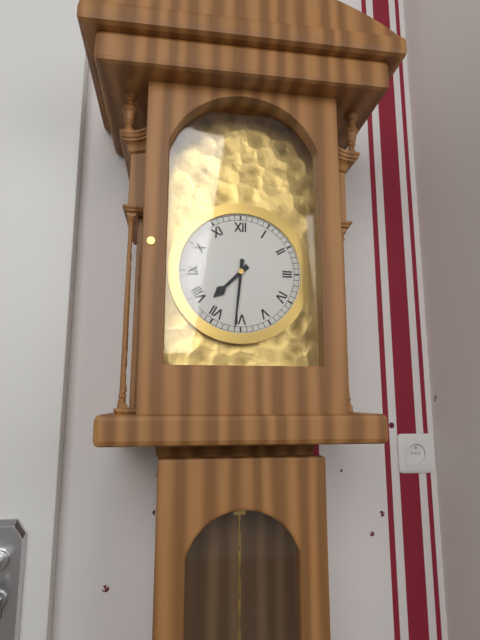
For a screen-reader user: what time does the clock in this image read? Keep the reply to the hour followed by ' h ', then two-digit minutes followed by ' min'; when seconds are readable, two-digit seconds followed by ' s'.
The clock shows 7 h 31 min
